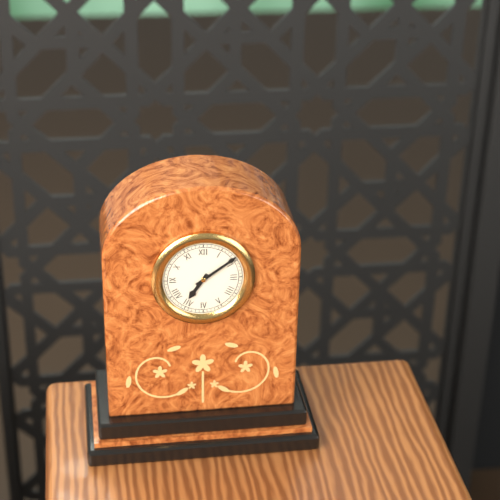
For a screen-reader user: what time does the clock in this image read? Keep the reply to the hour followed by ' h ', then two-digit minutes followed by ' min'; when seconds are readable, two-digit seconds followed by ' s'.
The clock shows 7 h 09 min
